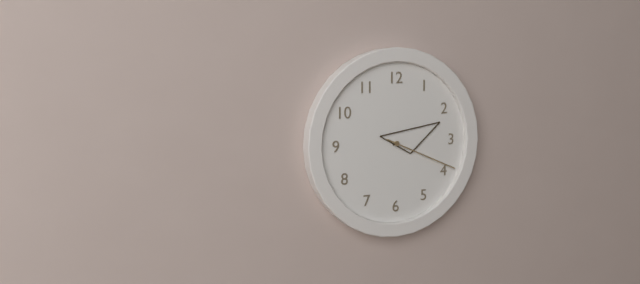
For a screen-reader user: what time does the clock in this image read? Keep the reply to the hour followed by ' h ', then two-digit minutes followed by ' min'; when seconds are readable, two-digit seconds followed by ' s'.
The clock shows 2 h 19 min
